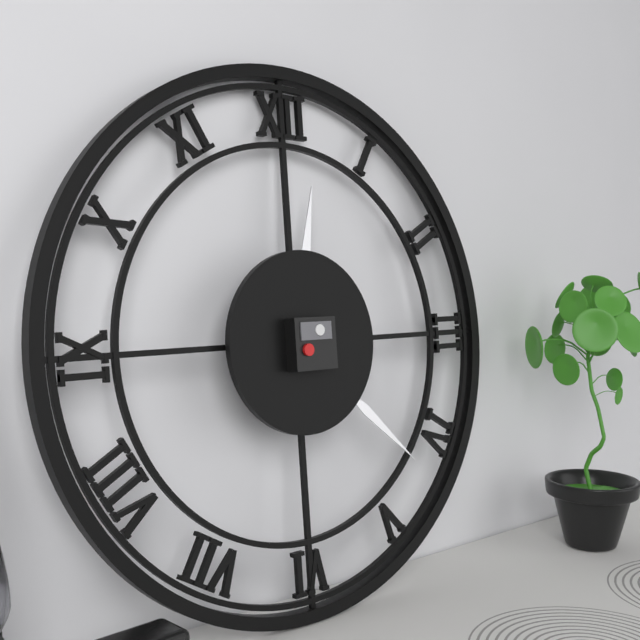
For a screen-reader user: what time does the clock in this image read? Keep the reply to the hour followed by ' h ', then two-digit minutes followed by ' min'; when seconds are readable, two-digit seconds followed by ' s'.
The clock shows 12 h 22 min
